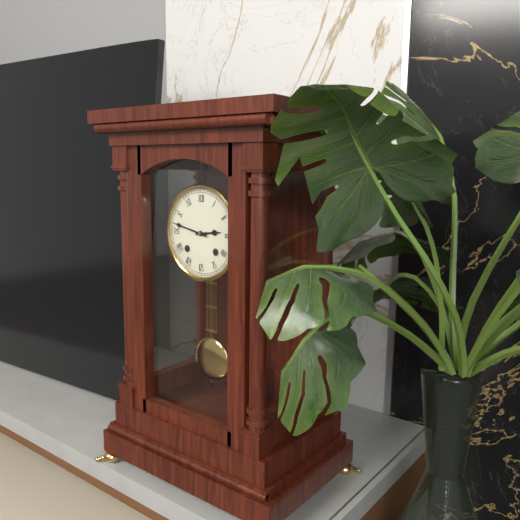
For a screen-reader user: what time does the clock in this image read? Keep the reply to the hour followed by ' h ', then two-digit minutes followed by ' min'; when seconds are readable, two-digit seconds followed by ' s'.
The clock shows 2 h 47 min
